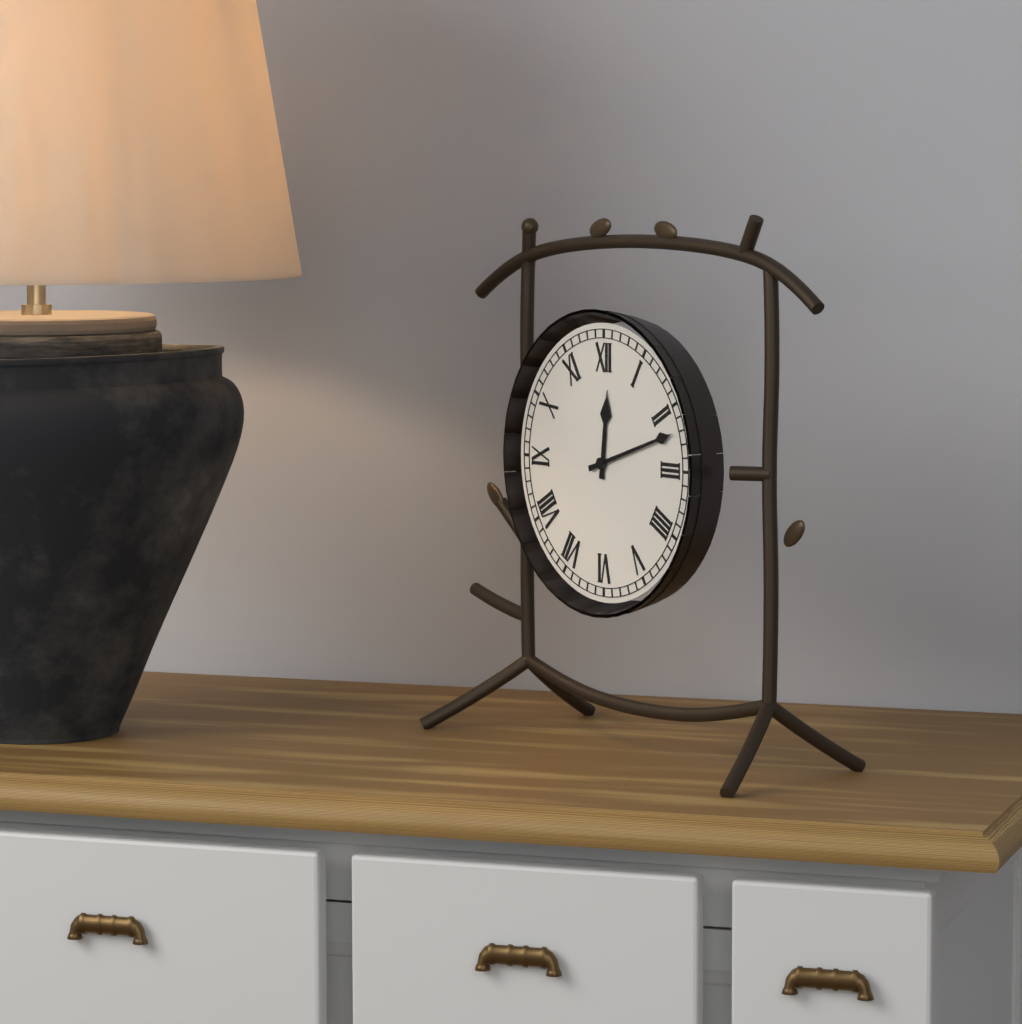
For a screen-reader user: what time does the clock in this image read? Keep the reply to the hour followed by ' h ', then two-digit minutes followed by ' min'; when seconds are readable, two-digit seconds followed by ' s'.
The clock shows 12 h 12 min
